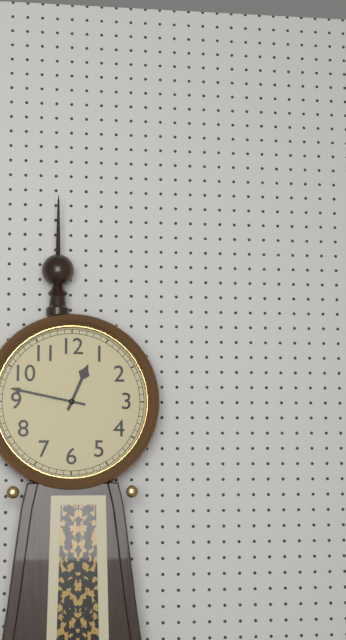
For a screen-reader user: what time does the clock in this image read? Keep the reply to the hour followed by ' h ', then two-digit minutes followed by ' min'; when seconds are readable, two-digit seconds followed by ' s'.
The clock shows 12 h 47 min
